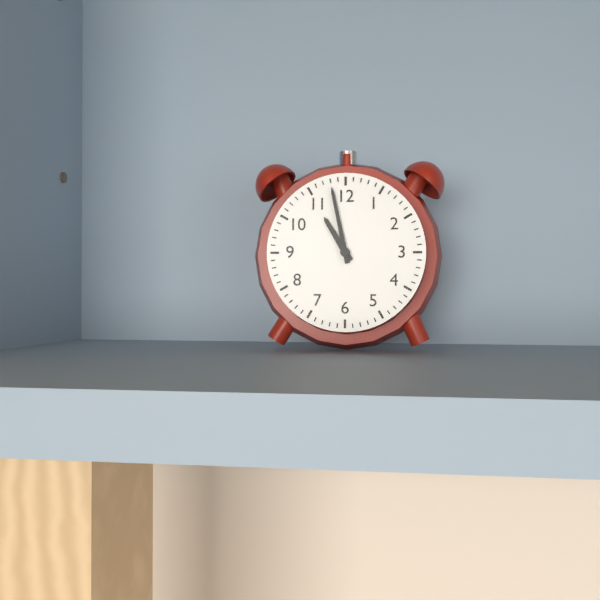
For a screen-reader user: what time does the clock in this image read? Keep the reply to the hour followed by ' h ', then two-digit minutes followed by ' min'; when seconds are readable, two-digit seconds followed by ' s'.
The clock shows 10 h 58 min
